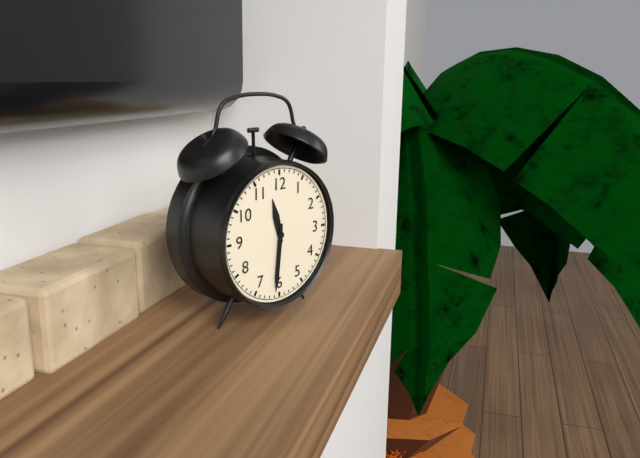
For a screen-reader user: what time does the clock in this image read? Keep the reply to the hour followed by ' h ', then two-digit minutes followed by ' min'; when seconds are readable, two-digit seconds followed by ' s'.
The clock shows 11 h 31 min
